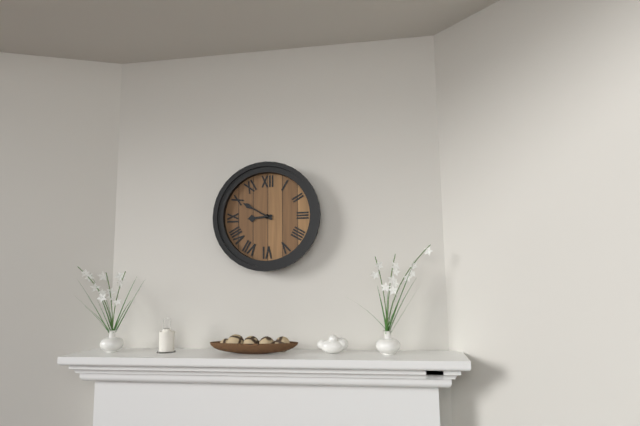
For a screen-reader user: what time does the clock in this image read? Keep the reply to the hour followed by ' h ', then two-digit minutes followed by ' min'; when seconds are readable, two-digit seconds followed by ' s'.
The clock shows 8 h 50 min
